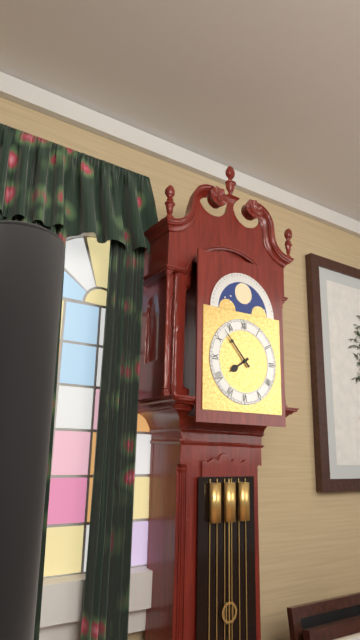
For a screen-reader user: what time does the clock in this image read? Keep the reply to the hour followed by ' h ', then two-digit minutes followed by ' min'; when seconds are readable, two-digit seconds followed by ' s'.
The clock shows 7 h 53 min
